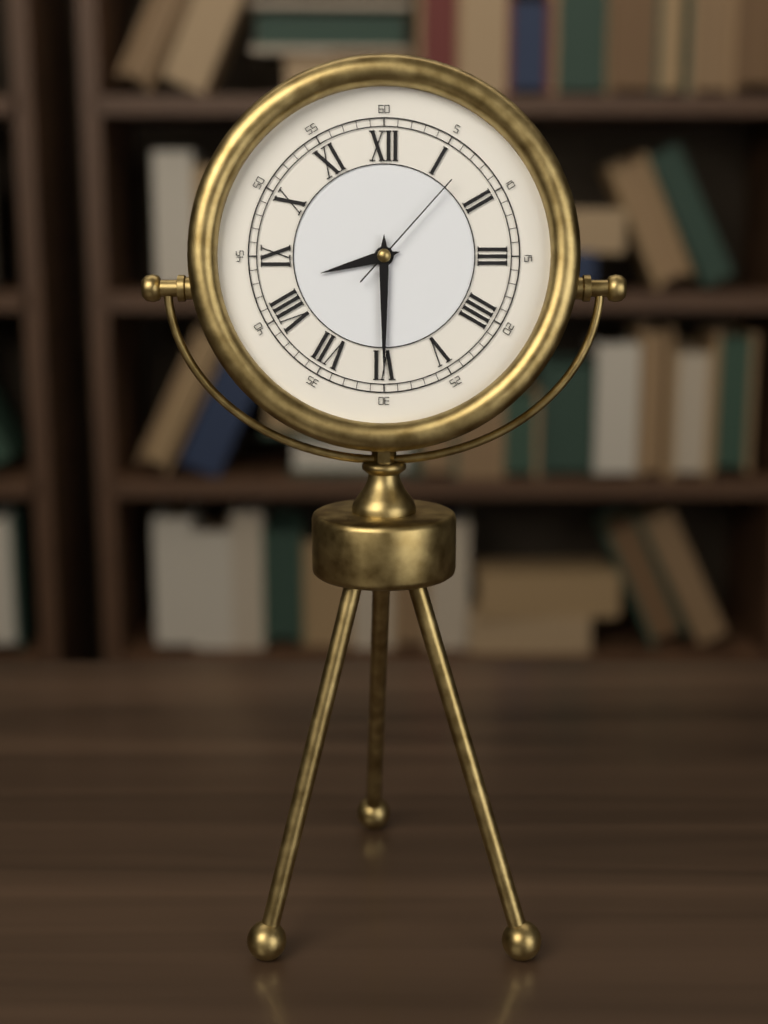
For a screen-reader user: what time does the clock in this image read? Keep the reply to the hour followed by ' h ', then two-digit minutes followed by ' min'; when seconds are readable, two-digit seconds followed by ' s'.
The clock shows 8 h 30 min 07 s
